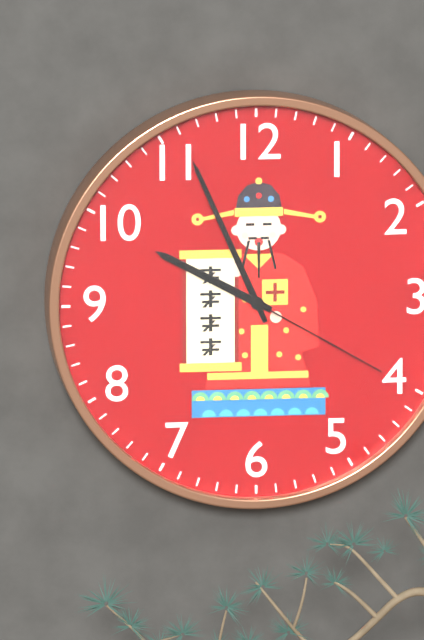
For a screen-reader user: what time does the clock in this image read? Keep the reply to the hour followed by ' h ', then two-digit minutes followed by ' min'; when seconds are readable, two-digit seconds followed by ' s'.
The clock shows 9 h 56 min 20 s
